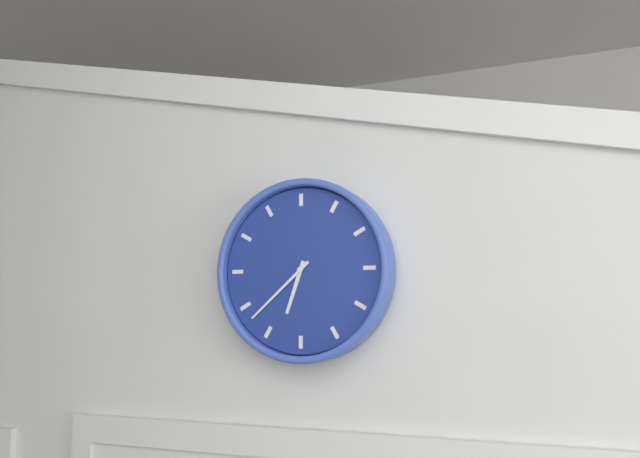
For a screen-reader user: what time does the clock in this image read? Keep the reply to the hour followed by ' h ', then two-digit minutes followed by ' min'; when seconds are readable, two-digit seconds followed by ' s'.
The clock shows 6 h 38 min
